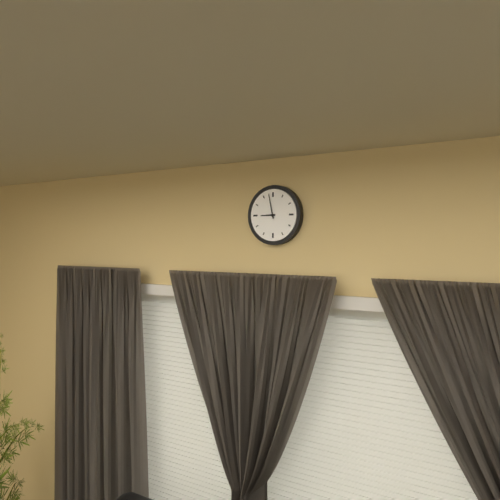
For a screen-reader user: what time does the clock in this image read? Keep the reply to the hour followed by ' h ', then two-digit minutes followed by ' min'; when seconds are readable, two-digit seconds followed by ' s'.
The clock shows 8 h 58 min
